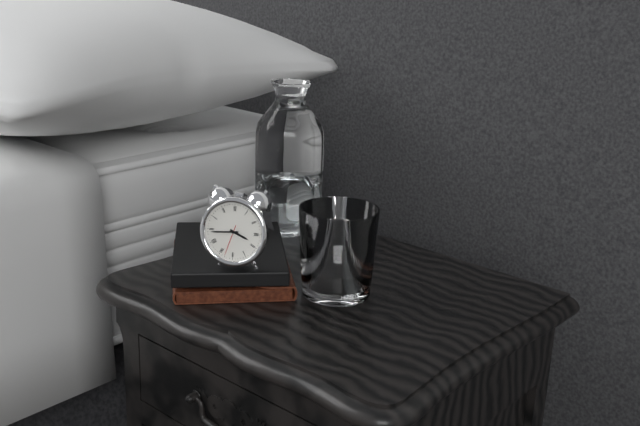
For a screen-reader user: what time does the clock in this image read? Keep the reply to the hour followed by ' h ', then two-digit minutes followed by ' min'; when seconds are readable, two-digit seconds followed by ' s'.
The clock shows 3 h 44 min
